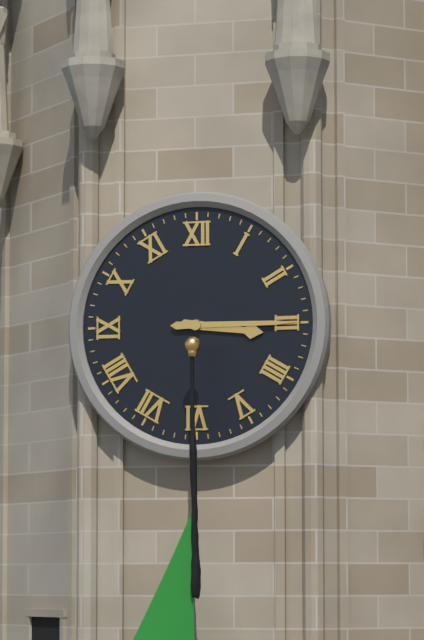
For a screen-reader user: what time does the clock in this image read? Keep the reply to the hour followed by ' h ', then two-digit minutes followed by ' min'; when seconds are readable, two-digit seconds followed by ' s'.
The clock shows 3 h 15 min
